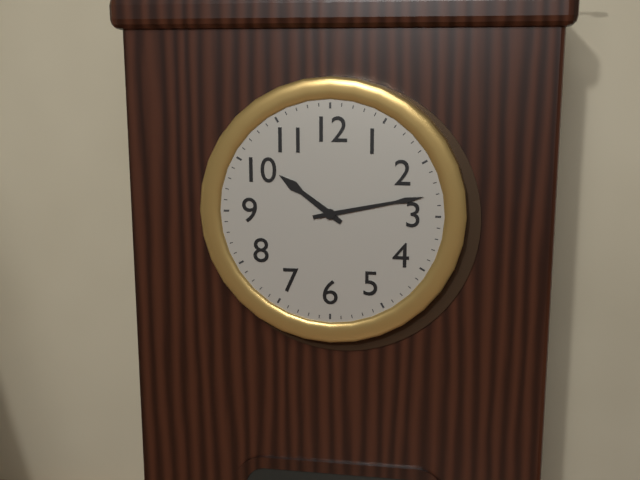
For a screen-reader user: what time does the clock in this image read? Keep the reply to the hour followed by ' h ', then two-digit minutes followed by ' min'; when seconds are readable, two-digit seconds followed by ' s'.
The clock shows 10 h 13 min
